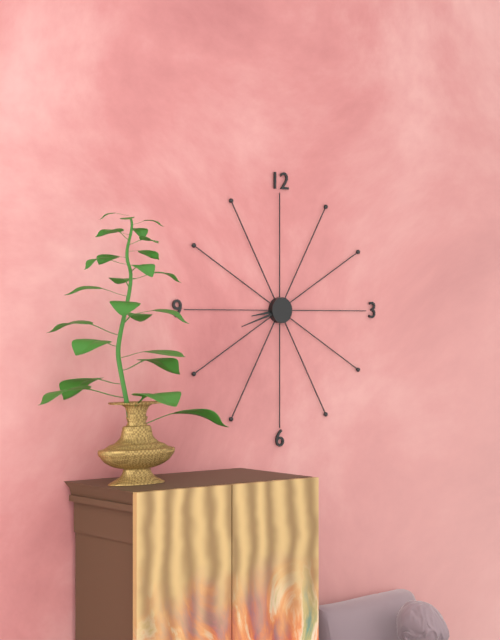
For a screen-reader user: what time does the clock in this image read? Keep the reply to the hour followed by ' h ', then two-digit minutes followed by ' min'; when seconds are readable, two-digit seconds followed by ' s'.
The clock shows 8 h 42 min
